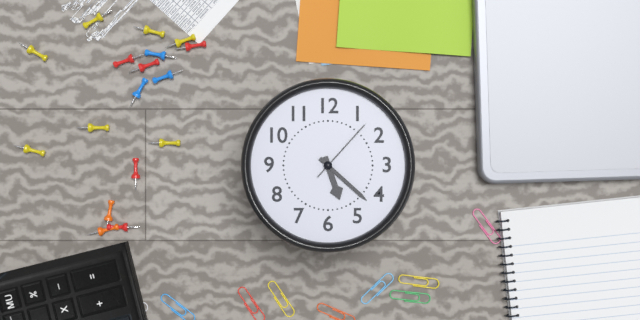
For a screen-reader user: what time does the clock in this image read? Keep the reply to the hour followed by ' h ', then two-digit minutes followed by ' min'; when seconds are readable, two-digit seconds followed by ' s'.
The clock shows 5 h 22 min 07 s
